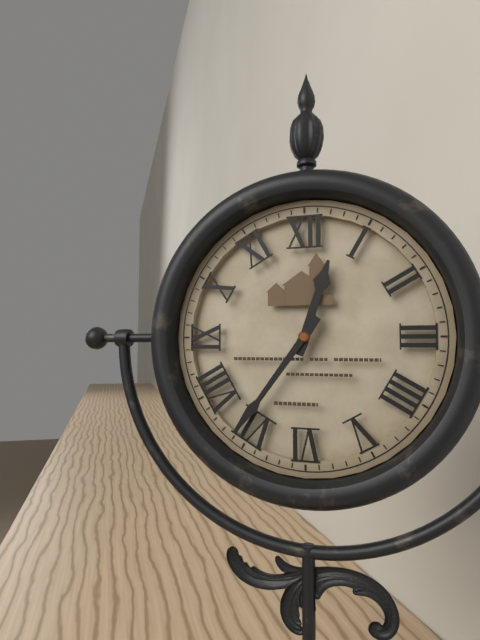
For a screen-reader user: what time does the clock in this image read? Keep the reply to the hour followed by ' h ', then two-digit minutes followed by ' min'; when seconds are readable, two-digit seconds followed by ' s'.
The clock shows 12 h 36 min
